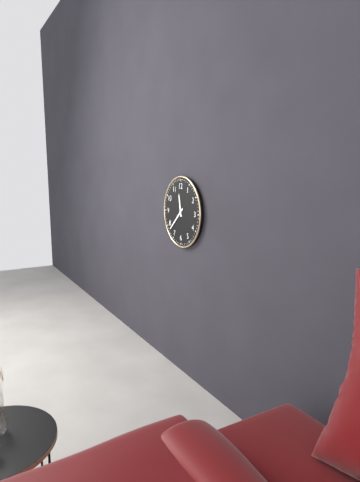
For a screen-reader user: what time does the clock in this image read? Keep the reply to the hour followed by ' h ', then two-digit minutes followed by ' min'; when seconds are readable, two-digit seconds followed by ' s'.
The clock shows 11 h 38 min
